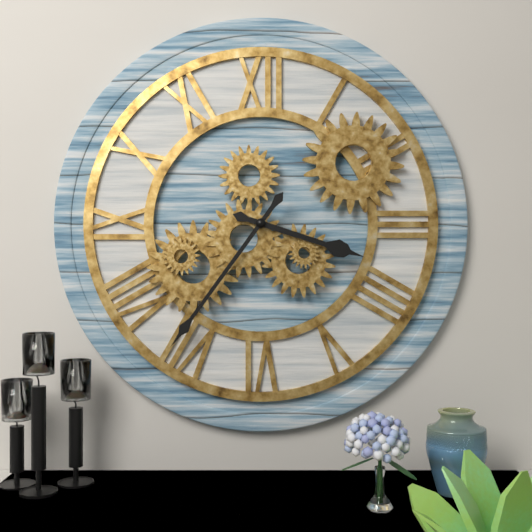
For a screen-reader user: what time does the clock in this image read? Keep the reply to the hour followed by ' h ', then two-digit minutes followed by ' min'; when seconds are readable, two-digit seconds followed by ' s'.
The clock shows 3 h 36 min
